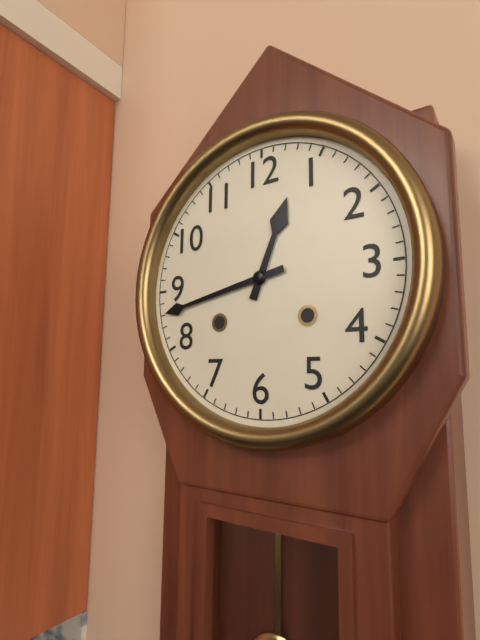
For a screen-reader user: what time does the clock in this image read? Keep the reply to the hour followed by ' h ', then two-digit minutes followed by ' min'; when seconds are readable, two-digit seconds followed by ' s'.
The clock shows 12 h 43 min
